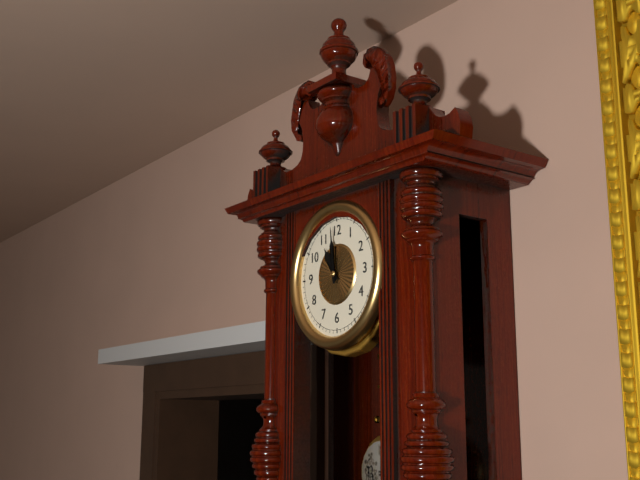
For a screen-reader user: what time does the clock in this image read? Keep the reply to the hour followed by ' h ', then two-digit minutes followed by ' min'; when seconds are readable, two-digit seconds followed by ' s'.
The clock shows 10 h 59 min
